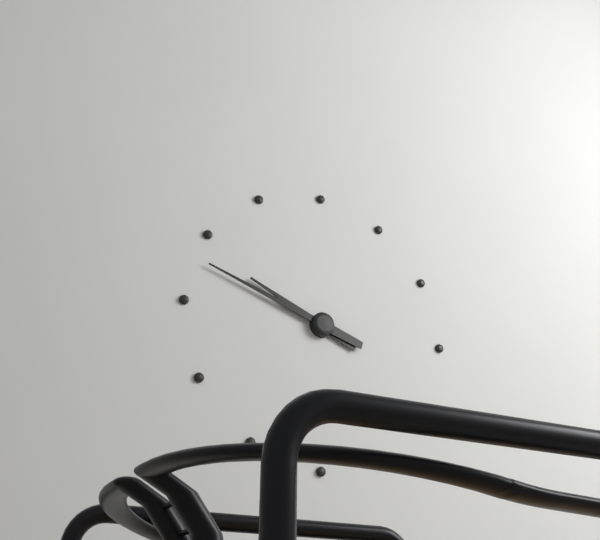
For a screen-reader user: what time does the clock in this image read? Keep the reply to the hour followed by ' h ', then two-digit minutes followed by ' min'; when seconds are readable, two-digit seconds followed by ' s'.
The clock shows 9 h 48 min
